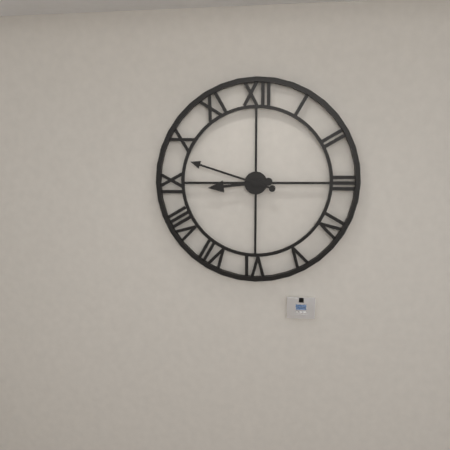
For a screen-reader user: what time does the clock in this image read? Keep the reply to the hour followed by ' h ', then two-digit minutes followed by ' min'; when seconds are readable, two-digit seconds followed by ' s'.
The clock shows 8 h 48 min
